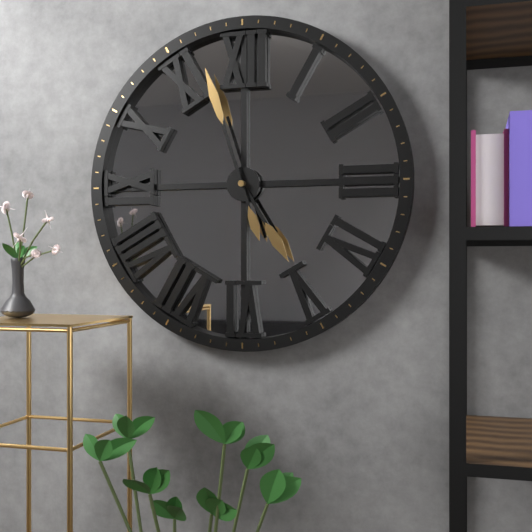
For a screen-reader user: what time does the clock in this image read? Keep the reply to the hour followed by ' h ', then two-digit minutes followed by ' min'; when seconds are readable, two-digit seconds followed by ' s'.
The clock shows 4 h 57 min
